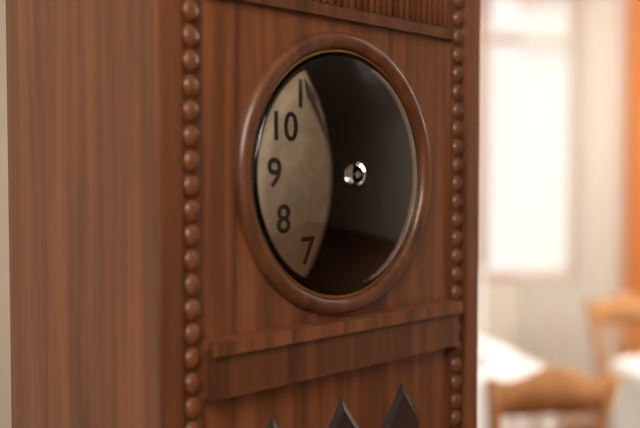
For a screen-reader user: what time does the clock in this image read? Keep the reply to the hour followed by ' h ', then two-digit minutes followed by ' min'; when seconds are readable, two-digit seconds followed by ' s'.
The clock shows 11 h 55 min
